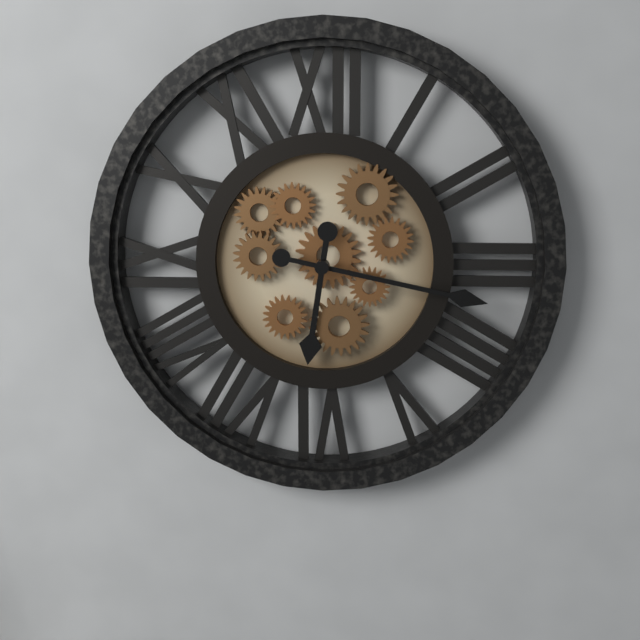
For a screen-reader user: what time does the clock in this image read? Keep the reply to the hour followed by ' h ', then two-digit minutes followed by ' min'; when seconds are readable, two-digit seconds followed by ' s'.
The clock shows 6 h 17 min
